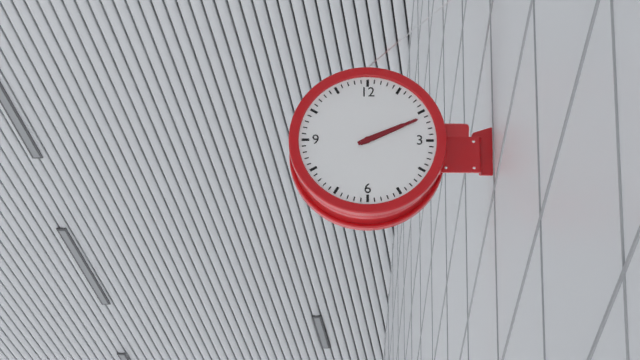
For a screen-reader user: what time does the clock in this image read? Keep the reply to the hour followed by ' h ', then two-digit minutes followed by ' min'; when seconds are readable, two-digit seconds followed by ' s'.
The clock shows 2 h 11 min
